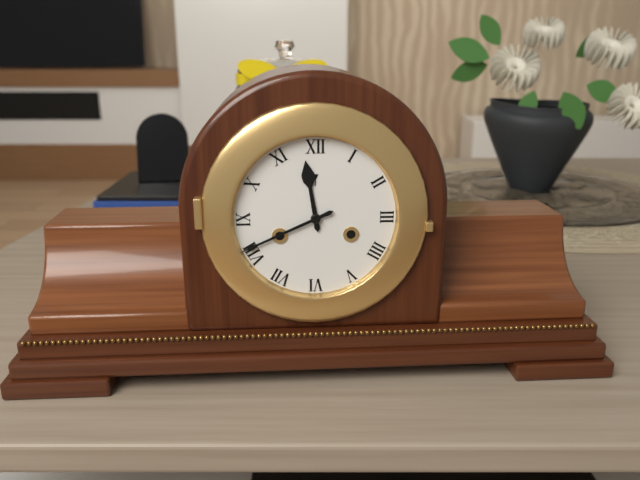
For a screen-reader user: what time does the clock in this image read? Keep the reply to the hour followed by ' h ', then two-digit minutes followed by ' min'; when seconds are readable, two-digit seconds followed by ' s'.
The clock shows 11 h 41 min
